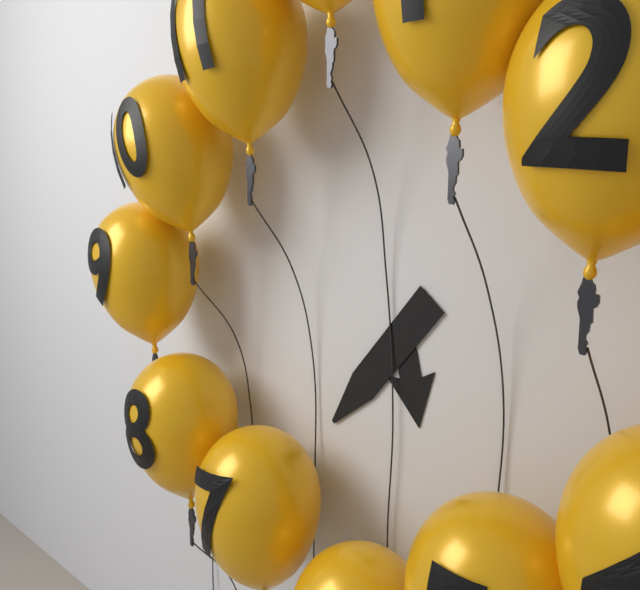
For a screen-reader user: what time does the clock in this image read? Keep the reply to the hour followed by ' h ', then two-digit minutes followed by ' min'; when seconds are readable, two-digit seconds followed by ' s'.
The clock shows 5 h 37 min
